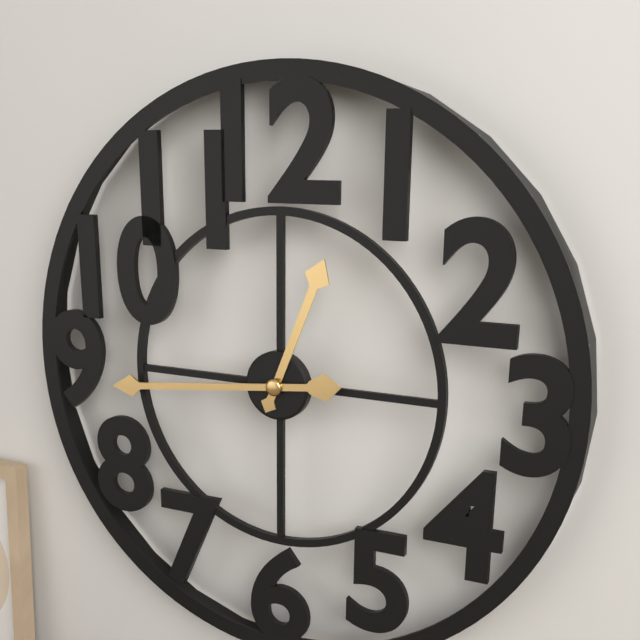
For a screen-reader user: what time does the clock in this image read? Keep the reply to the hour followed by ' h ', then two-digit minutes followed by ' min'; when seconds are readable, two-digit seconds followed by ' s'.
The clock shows 12 h 44 min
